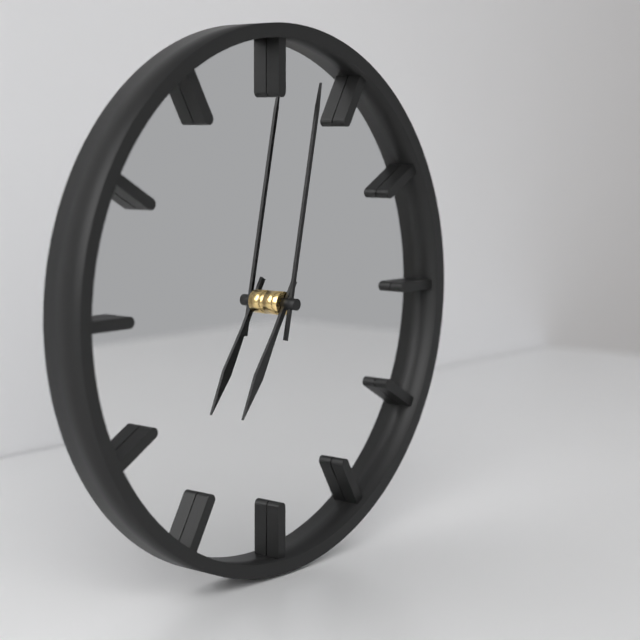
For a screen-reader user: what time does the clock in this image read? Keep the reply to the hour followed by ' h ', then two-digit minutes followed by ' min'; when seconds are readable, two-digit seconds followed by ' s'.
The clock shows 7 h 02 min
